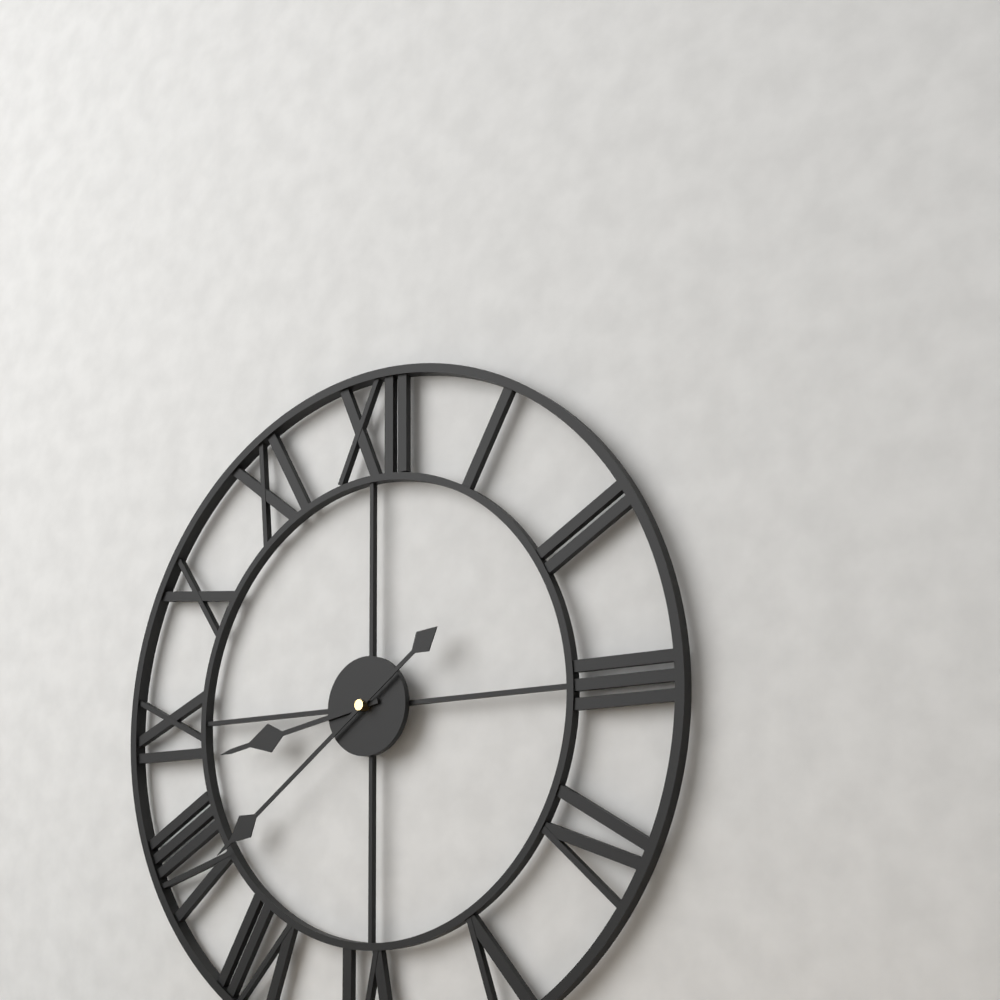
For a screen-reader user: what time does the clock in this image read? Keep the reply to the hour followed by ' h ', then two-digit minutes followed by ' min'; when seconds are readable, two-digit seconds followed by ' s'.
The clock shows 8 h 39 min
